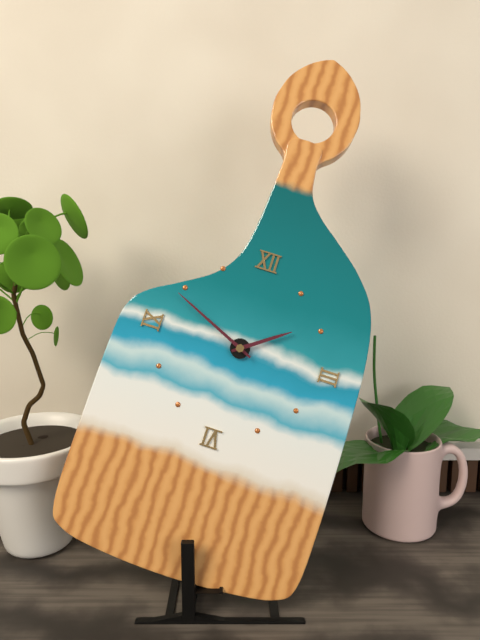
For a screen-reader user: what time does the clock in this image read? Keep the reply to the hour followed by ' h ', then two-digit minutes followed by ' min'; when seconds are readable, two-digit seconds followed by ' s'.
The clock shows 1 h 49 min
